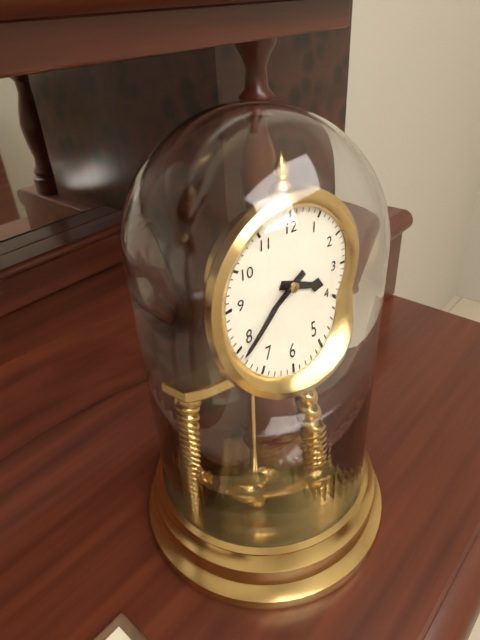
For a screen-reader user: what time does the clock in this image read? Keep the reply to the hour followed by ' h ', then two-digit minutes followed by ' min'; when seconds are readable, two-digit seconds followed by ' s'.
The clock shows 3 h 39 min
